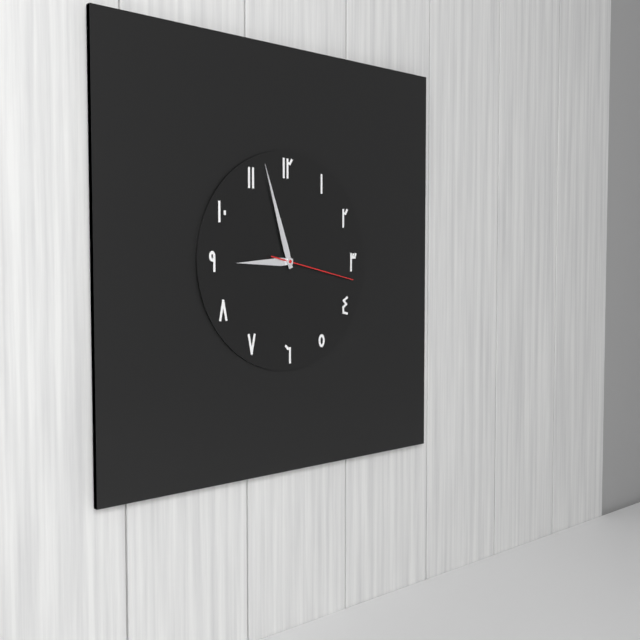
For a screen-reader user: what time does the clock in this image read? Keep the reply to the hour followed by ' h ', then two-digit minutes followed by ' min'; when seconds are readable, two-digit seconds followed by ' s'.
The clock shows 8 h 57 min 17 s
